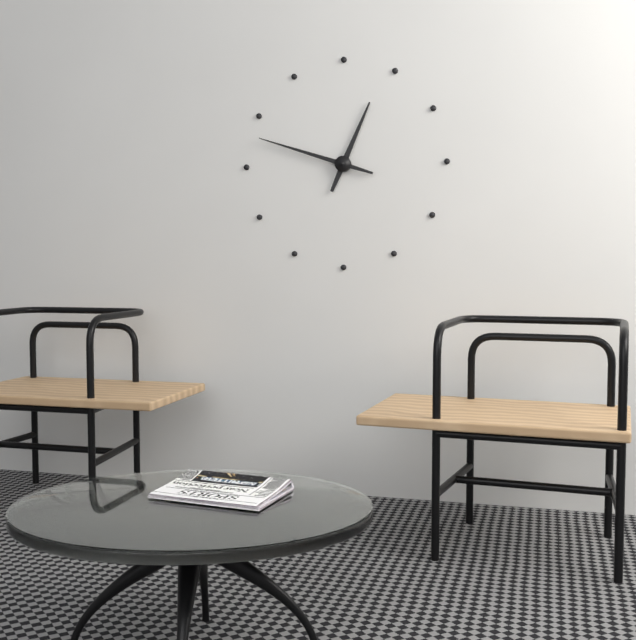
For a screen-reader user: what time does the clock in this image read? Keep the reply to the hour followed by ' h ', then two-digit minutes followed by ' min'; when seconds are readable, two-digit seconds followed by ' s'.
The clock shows 12 h 48 min
